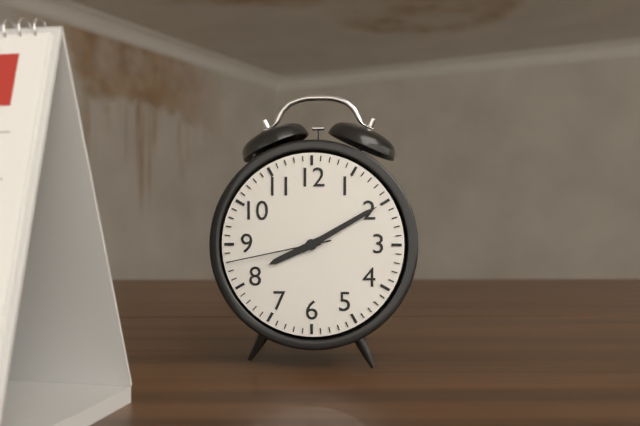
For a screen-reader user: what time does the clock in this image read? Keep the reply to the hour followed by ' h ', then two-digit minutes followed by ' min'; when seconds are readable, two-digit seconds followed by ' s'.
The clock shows 8 h 10 min 43 s
